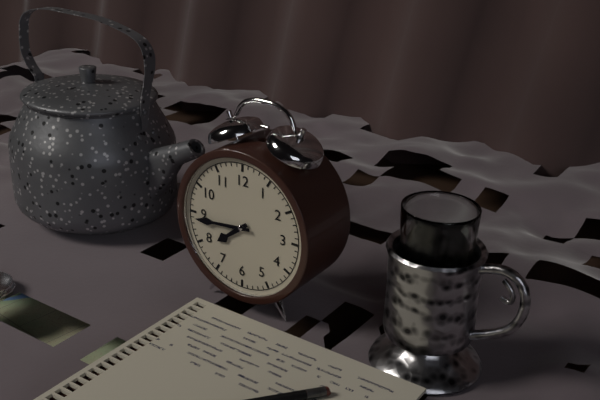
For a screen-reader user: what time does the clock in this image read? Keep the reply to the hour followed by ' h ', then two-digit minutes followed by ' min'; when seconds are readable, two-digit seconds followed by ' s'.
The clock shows 7 h 44 min
